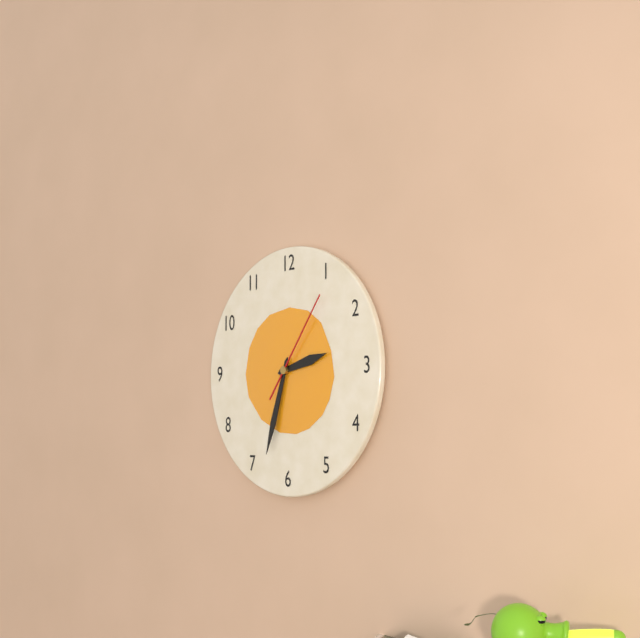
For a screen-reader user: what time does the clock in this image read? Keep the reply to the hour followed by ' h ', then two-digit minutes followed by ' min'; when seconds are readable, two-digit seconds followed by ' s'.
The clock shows 2 h 33 min 06 s
